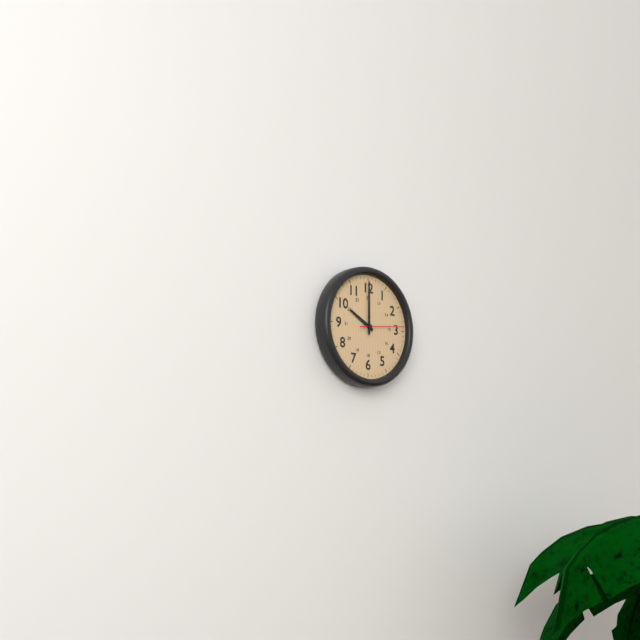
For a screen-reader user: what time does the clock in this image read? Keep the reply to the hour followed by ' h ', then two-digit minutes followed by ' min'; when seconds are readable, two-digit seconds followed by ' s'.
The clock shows 10 h 00 min
